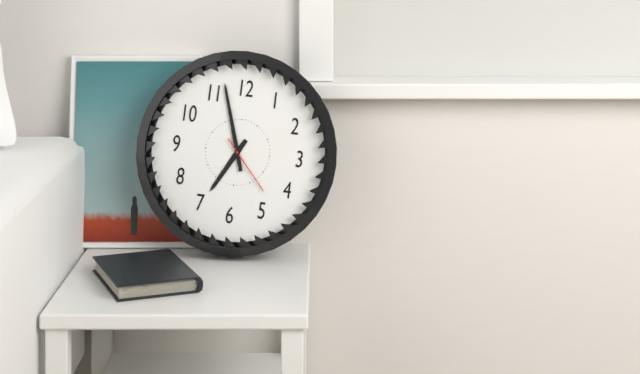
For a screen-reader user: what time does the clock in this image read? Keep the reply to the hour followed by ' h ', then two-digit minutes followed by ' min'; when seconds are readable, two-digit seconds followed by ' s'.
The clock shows 6 h 57 min 23 s
